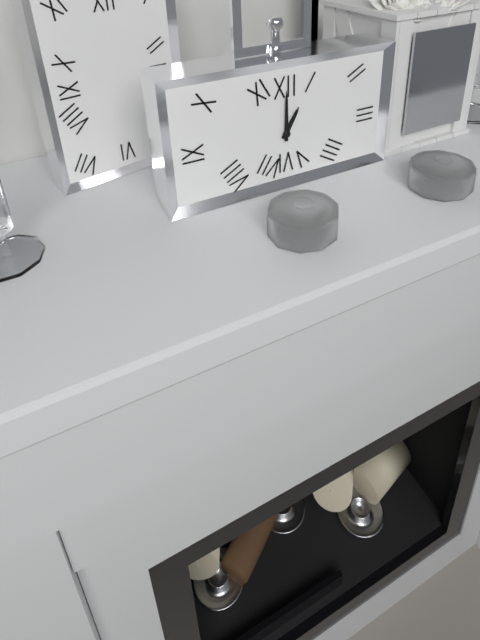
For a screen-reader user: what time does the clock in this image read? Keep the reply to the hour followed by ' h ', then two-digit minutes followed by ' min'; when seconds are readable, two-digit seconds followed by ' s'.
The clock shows 1 h 00 min
